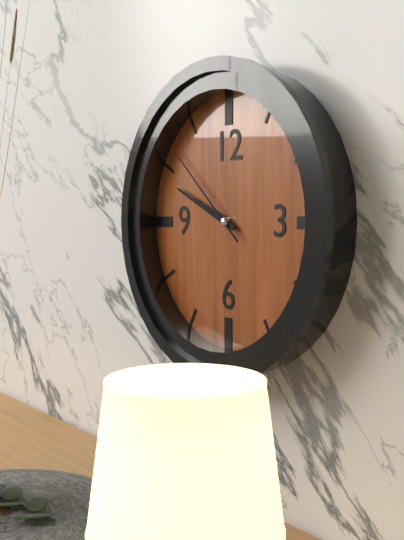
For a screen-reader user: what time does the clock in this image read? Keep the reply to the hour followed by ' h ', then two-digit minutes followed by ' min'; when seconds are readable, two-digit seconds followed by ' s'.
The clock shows 9 h 49 min 52 s
